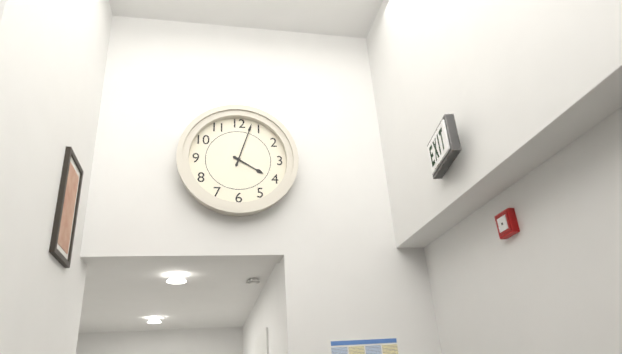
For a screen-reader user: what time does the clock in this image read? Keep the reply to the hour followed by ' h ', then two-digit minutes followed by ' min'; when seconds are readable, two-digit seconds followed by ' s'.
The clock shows 4 h 03 min
